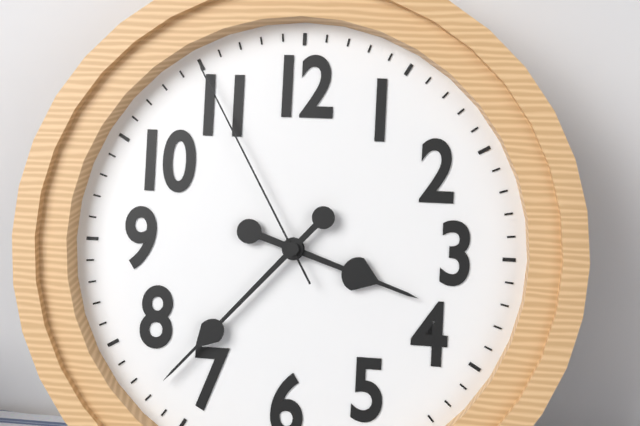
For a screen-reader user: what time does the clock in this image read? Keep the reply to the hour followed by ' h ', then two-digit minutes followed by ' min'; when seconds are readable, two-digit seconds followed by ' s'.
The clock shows 3 h 37 min 55 s
